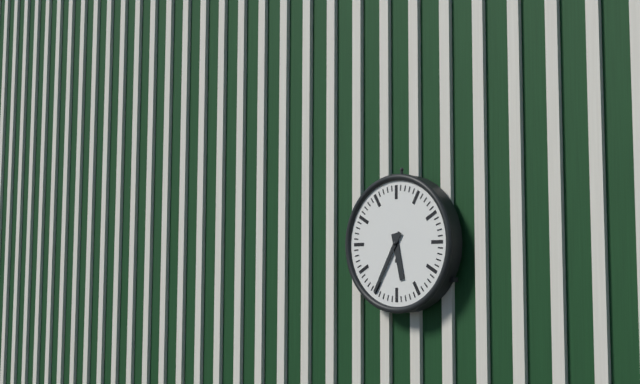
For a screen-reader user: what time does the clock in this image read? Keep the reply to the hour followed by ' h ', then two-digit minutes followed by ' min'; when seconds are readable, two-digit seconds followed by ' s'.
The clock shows 5 h 35 min
